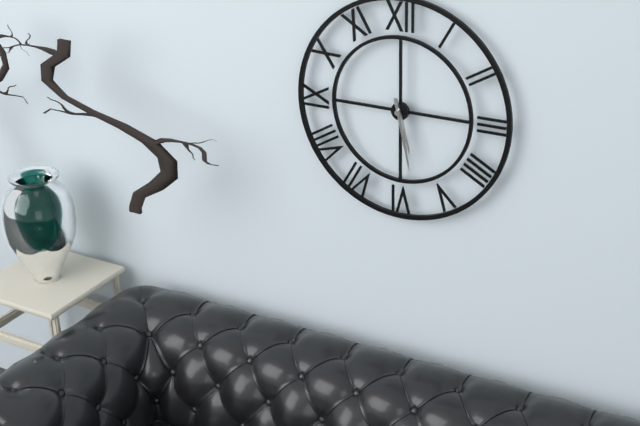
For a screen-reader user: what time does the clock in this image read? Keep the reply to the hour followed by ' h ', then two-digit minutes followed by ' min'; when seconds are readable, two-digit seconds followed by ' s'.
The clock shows 5 h 28 min
